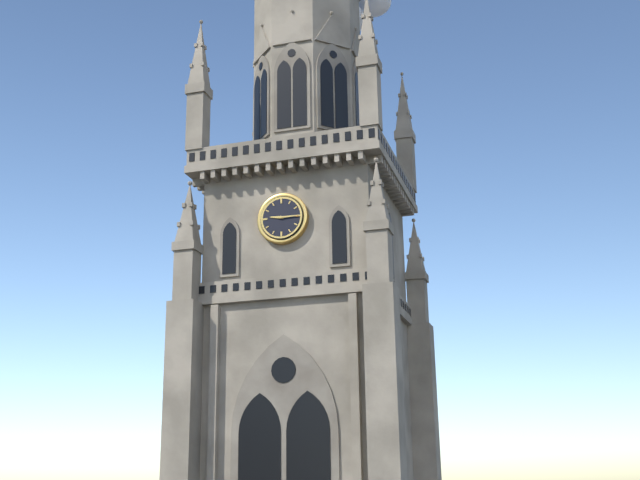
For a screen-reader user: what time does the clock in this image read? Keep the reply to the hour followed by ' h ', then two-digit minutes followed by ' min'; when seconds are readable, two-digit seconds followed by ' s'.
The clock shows 9 h 15 min
